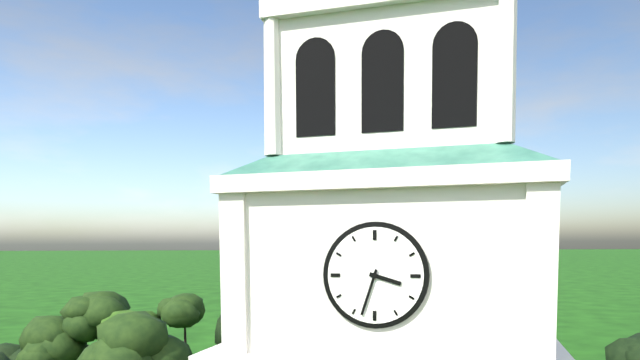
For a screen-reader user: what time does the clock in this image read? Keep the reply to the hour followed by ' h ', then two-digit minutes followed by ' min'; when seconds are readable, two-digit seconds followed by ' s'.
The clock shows 3 h 33 min
